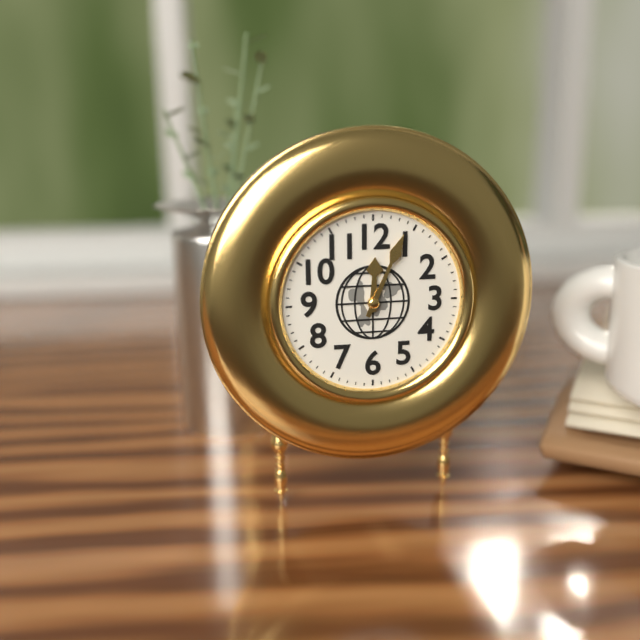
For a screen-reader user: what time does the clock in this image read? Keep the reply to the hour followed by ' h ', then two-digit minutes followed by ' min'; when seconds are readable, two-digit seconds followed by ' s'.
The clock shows 12 h 04 min
